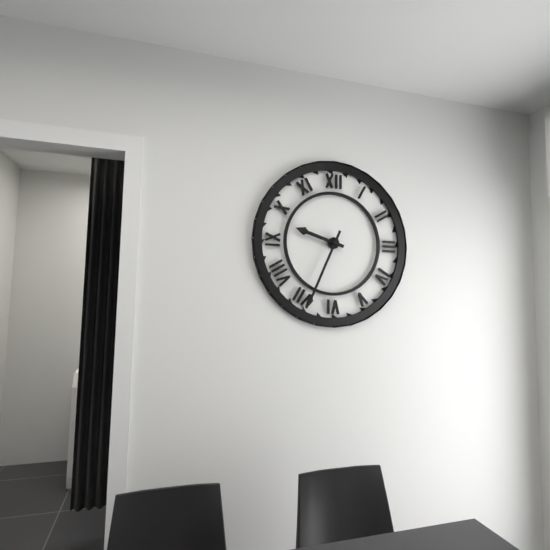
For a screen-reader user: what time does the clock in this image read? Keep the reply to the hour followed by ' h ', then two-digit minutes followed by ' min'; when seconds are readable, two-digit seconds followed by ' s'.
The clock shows 9 h 34 min
